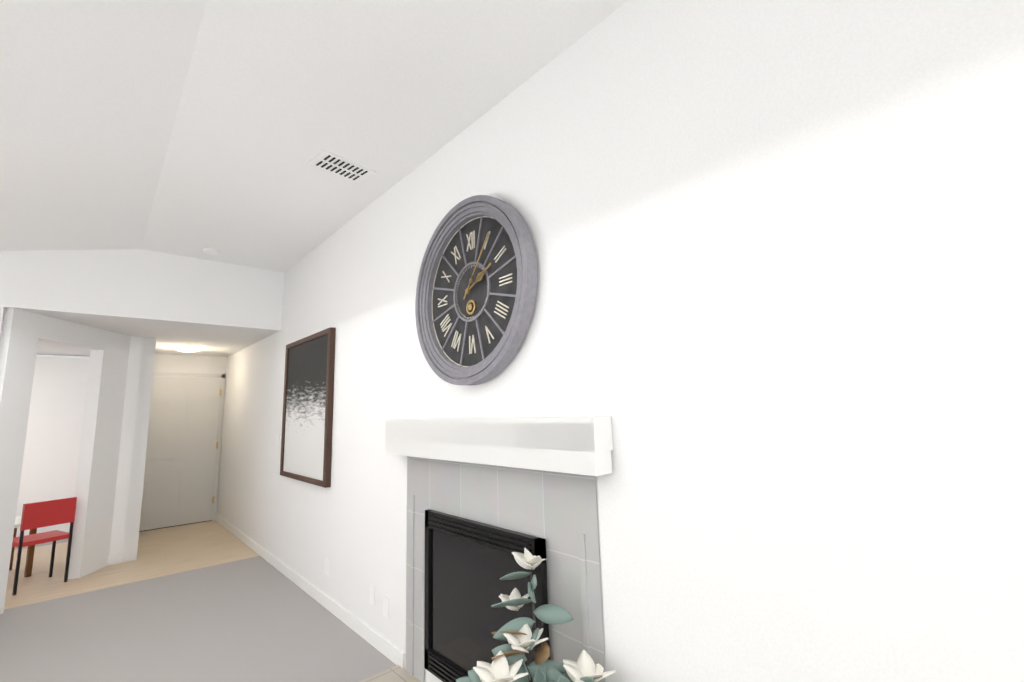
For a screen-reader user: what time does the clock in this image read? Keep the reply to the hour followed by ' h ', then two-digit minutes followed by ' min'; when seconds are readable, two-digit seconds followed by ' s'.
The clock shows 2 h 06 min
